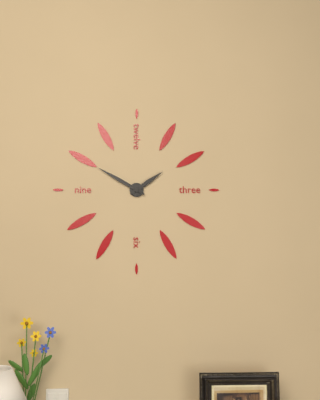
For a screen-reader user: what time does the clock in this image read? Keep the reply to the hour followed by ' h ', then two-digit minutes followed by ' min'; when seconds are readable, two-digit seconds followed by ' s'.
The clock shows 1 h 50 min
